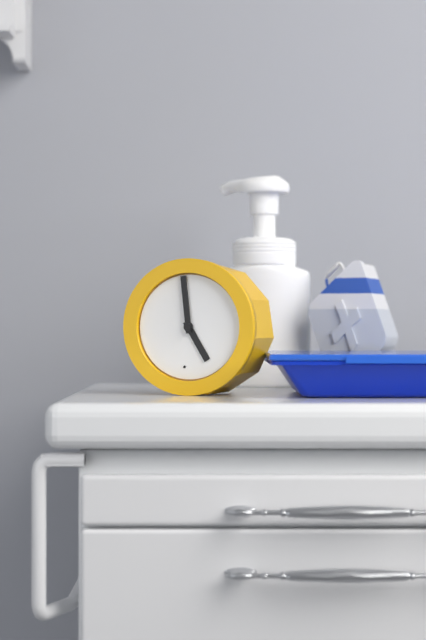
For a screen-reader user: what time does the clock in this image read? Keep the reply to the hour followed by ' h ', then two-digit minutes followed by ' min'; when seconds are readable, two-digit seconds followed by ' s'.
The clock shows 4 h 59 min
